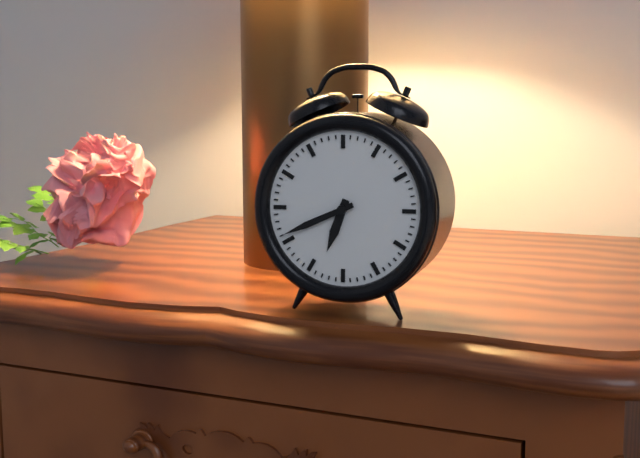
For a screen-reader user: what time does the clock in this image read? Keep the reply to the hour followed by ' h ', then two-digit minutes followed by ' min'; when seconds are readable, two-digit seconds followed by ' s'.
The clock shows 6 h 41 min
